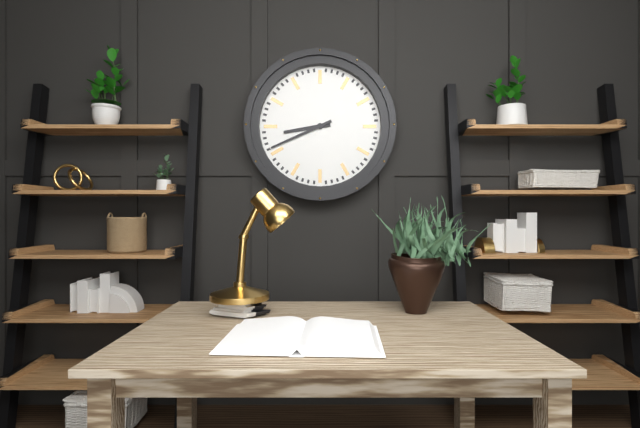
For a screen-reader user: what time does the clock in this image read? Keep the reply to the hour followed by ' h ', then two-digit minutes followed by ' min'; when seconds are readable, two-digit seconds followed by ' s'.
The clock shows 8 h 41 min
